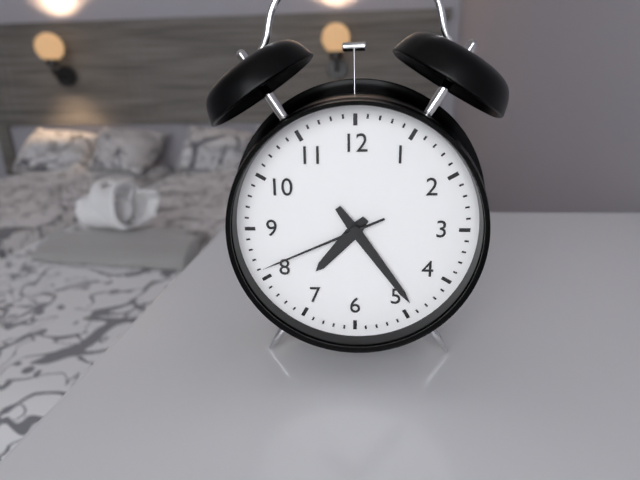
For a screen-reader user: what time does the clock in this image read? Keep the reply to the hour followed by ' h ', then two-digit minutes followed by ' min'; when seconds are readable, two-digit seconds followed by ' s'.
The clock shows 7 h 24 min 41 s
